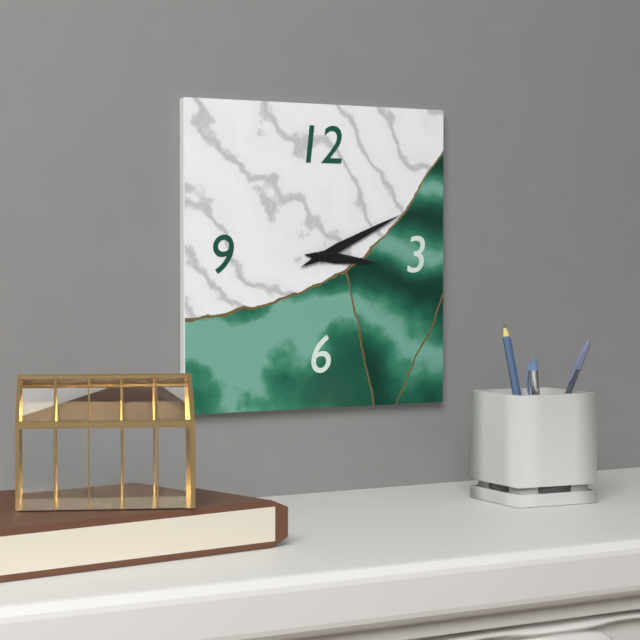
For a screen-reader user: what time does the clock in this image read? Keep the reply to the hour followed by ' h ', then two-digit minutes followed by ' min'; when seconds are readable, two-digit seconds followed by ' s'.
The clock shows 3 h 11 min
